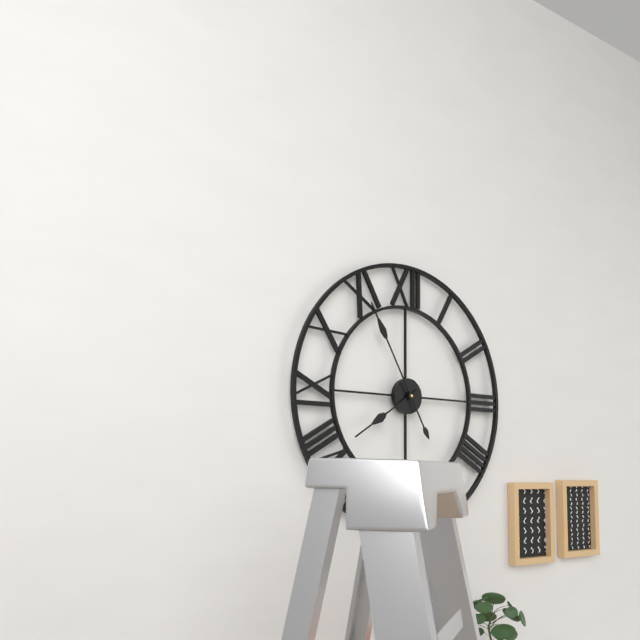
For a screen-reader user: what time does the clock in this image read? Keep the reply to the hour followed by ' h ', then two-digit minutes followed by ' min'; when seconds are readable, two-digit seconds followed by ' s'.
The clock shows 7 h 55 min
